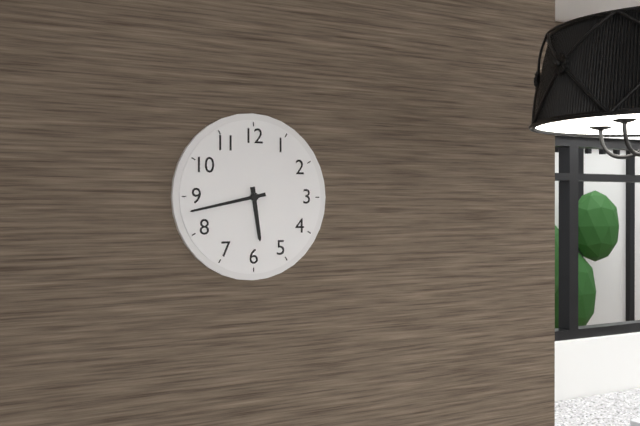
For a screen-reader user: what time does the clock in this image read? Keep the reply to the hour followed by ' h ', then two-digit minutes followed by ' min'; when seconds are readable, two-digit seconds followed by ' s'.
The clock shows 5 h 43 min
